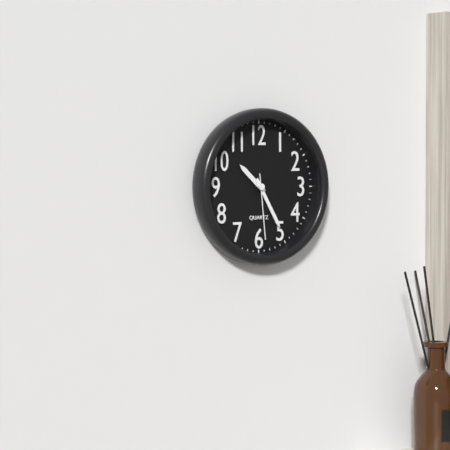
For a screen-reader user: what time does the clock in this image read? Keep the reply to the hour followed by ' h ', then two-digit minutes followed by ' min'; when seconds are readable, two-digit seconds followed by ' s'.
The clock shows 10 h 25 min 29 s
